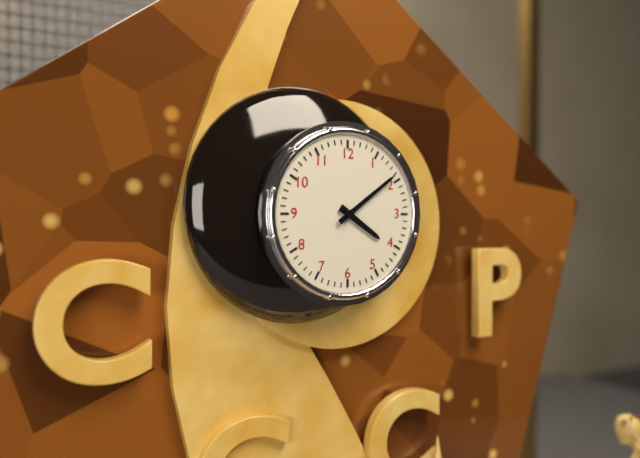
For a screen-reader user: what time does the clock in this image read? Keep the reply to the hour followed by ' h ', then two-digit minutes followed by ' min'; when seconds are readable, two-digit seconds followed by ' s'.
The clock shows 4 h 09 min
